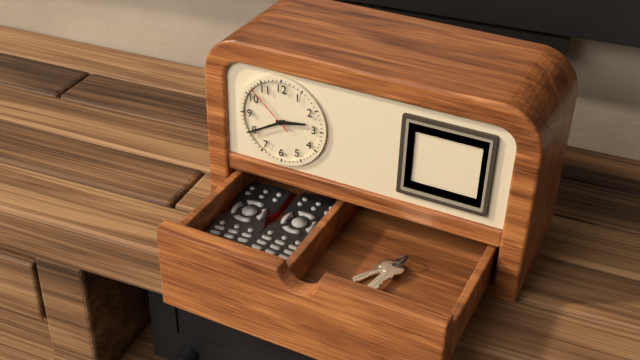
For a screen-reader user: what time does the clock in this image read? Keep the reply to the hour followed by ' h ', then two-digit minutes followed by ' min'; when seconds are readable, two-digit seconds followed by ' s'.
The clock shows 2 h 40 min 52 s
